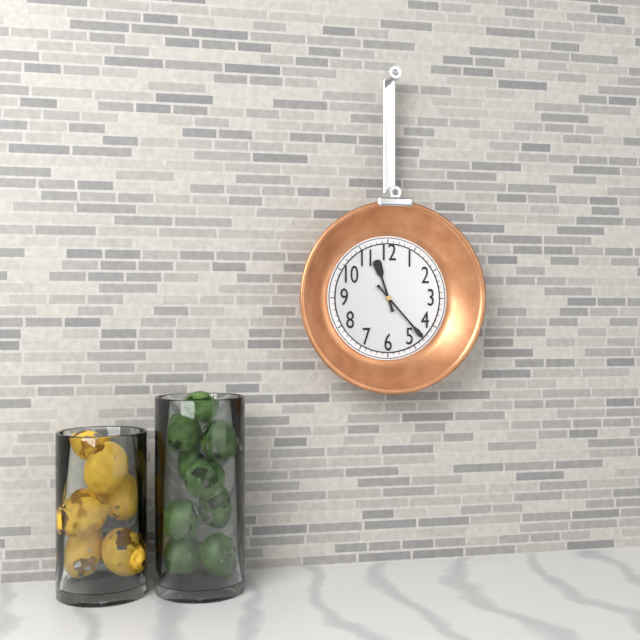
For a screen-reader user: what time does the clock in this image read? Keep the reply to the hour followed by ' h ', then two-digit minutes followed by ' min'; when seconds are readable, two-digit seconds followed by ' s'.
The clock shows 11 h 23 min
